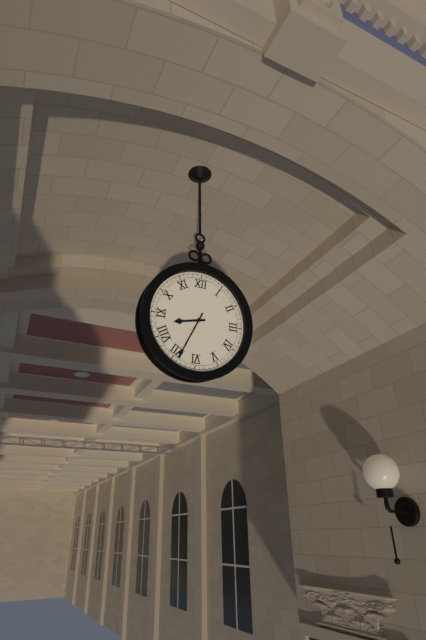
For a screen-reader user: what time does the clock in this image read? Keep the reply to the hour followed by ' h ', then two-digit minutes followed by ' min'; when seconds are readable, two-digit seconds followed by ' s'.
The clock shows 8 h 34 min
